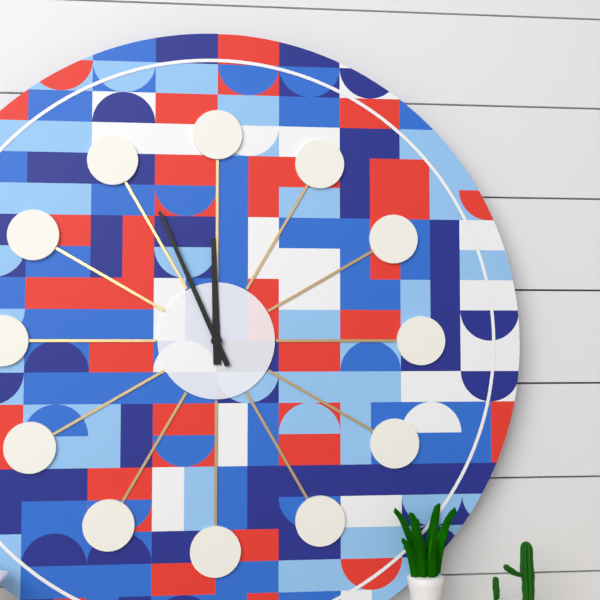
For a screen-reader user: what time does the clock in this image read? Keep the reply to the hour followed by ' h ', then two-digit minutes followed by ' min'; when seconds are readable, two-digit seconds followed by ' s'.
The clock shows 11 h 56 min
